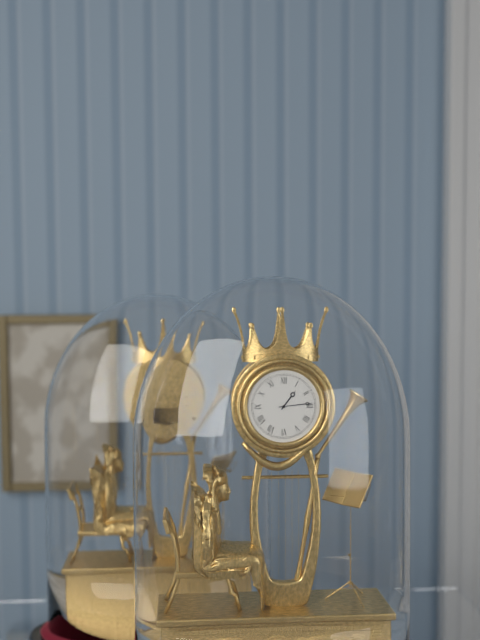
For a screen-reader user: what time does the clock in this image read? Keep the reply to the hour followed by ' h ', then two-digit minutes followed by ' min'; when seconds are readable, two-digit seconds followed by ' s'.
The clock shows 1 h 14 min
